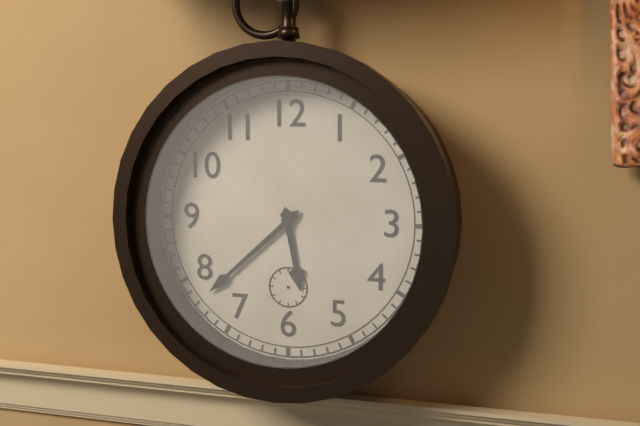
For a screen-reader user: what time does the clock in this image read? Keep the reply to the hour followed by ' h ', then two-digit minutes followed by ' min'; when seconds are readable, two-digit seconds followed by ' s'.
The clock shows 5 h 38 min
